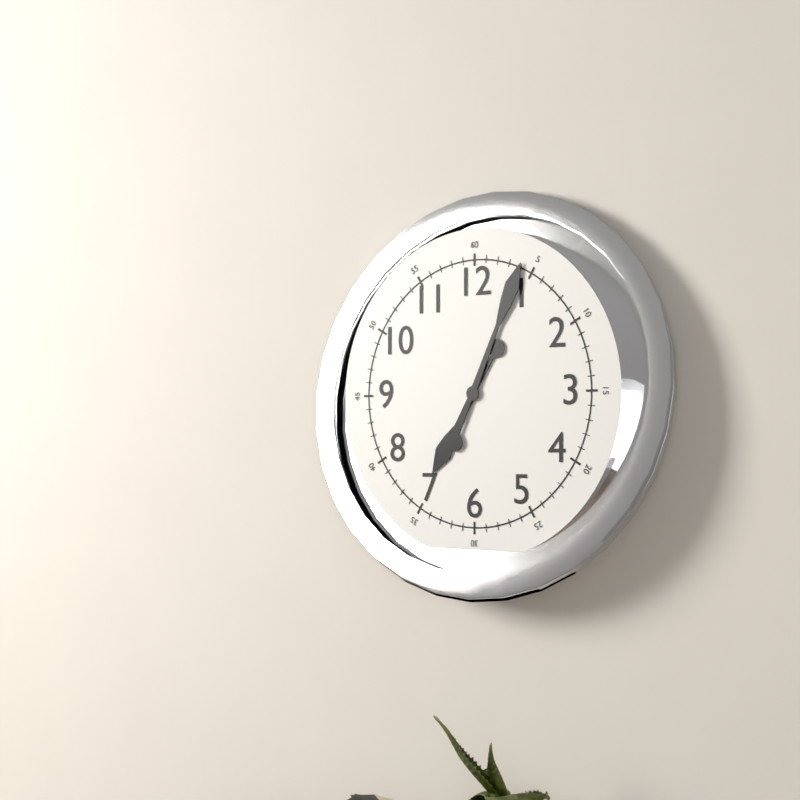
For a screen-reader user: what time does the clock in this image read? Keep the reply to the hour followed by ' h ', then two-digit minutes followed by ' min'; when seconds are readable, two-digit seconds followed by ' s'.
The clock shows 7 h 04 min
